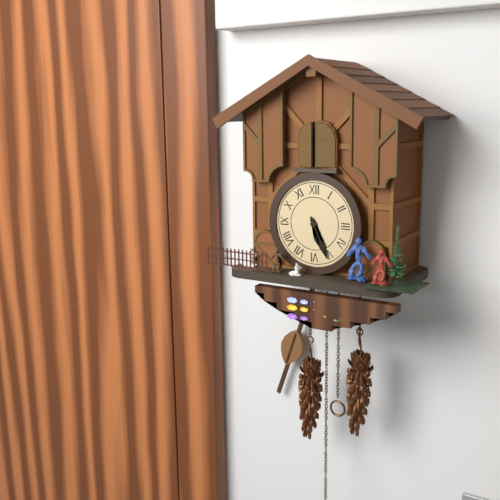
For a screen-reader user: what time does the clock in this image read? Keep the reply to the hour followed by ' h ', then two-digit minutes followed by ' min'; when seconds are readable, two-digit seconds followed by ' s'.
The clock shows 5 h 26 min
